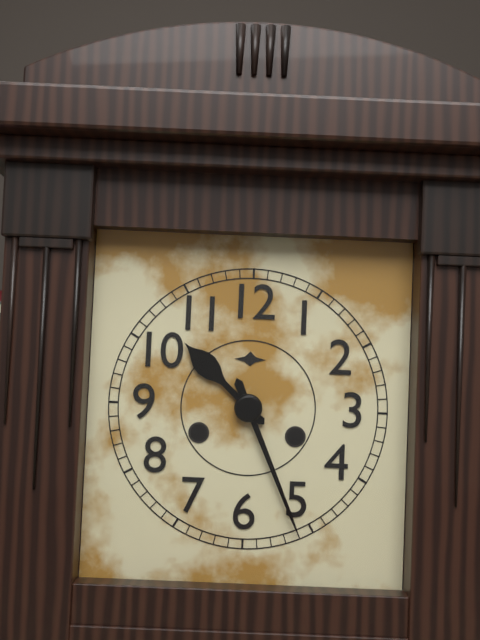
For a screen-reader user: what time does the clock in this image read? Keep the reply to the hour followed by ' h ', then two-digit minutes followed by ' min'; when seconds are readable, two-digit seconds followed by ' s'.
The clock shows 10 h 26 min
